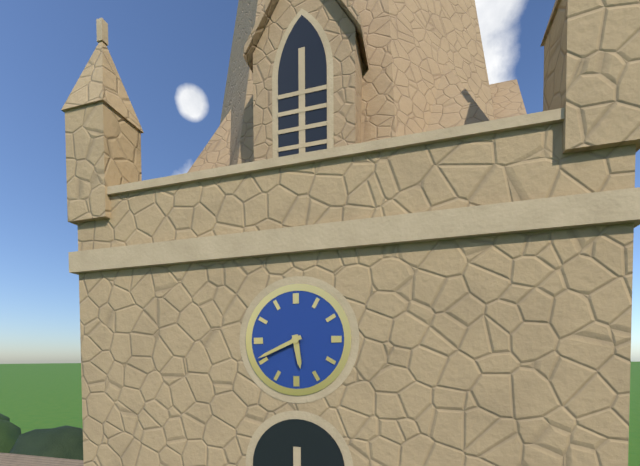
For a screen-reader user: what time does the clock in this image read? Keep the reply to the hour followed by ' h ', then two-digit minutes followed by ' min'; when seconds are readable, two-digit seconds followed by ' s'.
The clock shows 5 h 41 min
